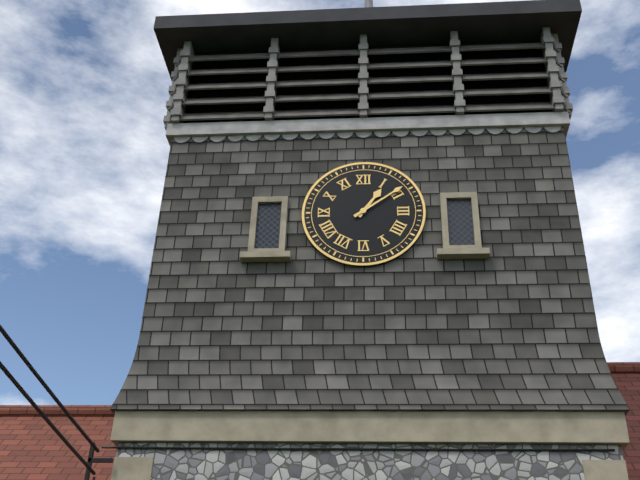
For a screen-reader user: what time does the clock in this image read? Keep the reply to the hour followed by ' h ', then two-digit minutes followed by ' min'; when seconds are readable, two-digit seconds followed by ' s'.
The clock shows 1 h 09 min
